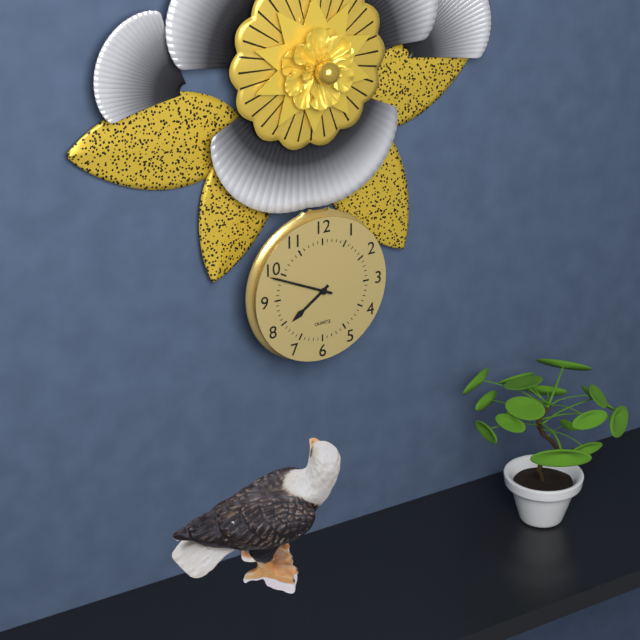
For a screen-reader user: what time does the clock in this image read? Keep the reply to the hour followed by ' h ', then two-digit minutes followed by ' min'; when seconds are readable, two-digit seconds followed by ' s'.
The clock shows 7 h 49 min
